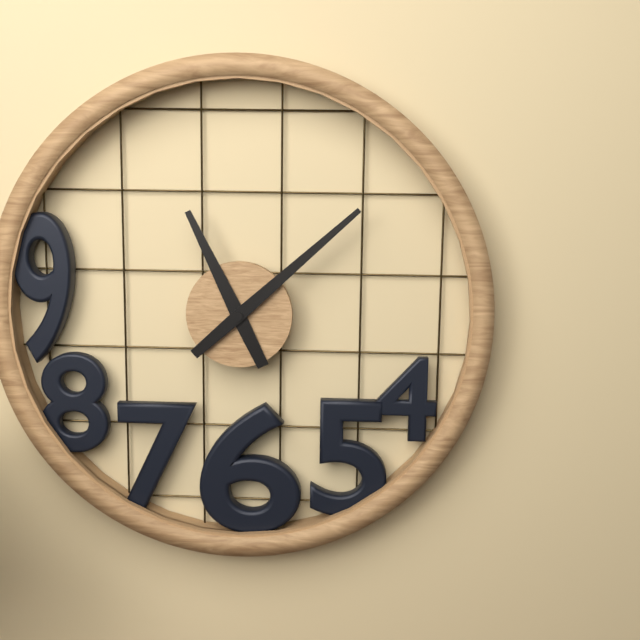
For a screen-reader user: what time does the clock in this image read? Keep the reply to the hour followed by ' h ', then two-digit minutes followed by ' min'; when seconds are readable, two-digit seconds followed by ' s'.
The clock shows 11 h 08 min
